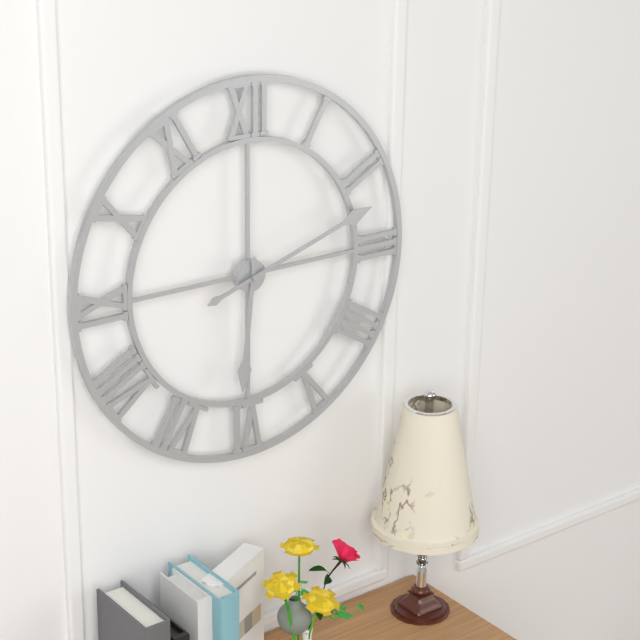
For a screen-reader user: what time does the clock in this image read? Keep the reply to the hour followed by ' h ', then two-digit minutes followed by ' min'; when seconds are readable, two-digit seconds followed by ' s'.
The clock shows 6 h 12 min
